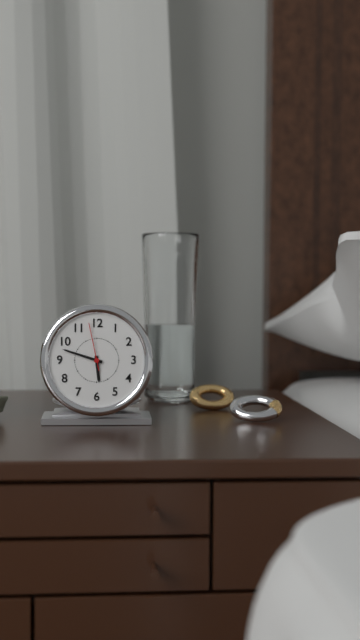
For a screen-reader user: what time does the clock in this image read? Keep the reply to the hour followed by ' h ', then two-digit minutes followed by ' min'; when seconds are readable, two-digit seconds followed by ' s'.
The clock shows 5 h 48 min
